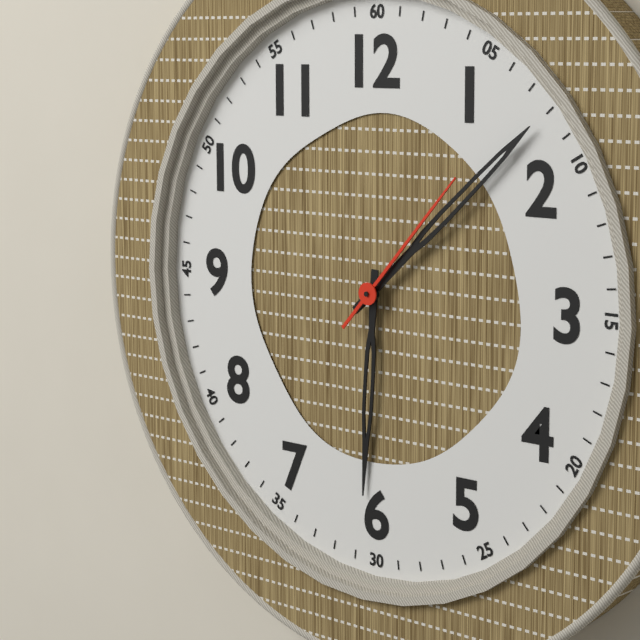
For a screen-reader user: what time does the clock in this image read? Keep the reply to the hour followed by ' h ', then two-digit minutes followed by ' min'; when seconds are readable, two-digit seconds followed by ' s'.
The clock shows 6 h 08 min 07 s
